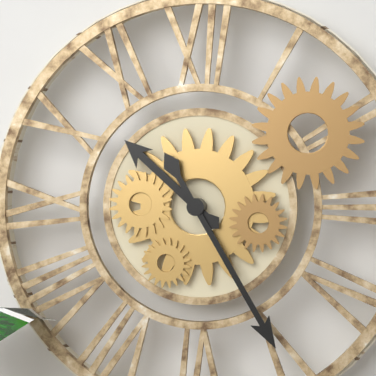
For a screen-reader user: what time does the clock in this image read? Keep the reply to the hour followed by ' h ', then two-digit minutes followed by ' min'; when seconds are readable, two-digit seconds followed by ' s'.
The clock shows 10 h 25 min
